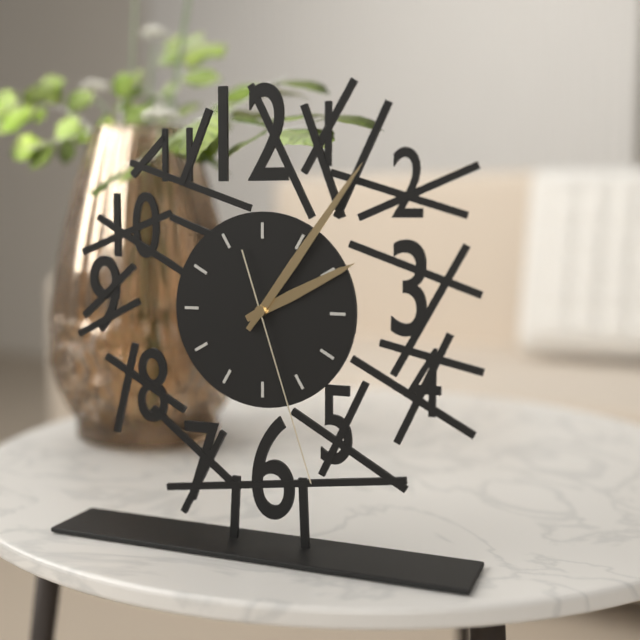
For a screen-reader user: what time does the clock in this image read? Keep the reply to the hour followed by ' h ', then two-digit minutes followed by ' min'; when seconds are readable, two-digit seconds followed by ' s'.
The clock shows 2 h 06 min 27 s
